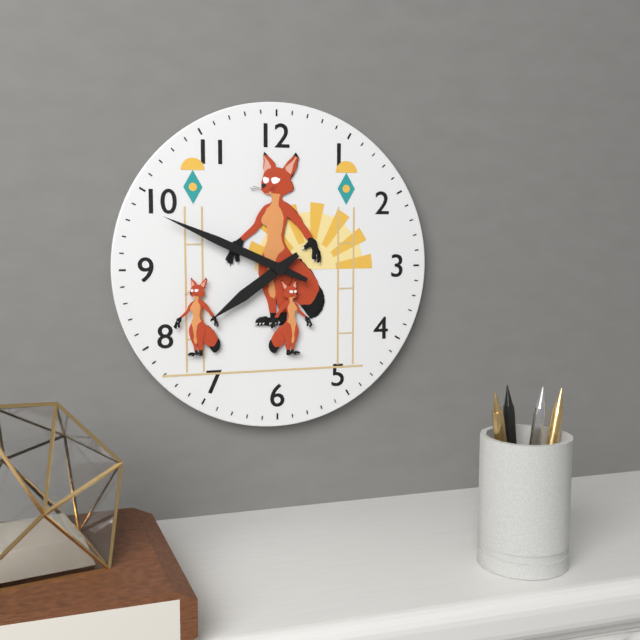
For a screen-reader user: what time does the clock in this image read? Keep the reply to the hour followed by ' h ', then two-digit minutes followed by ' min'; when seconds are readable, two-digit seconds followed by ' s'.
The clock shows 7 h 49 min
